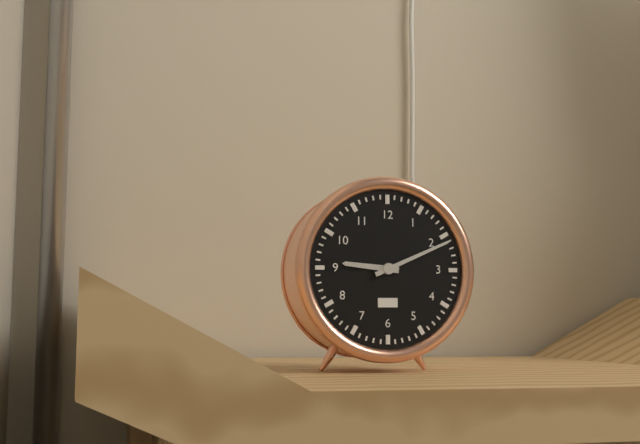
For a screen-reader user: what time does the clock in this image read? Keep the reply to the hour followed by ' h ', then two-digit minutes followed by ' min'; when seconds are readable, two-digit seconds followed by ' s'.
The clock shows 9 h 11 min
